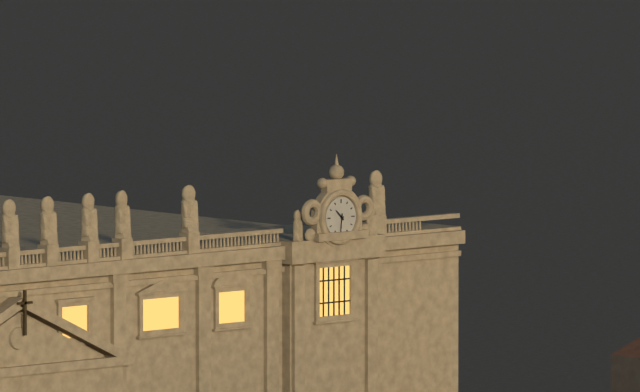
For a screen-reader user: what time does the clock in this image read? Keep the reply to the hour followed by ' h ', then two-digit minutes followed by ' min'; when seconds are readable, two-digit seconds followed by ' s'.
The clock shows 10 h 31 min
